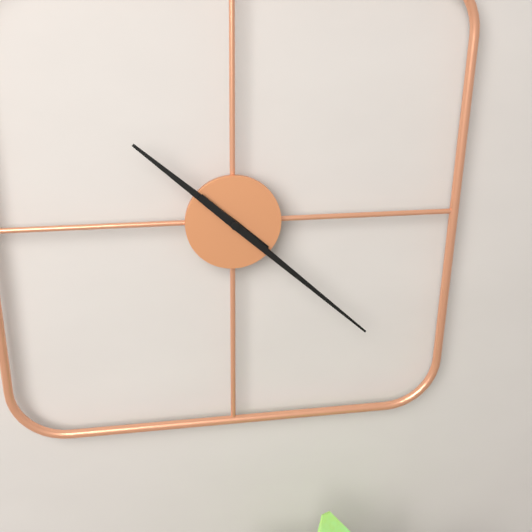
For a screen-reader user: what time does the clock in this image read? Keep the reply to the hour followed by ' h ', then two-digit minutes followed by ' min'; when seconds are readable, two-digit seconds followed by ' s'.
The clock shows 10 h 22 min
